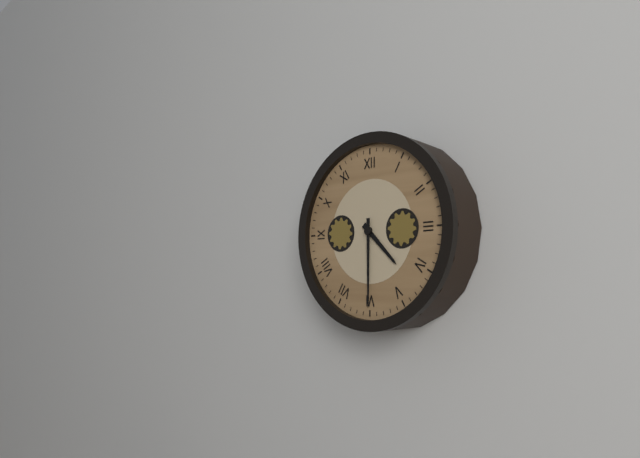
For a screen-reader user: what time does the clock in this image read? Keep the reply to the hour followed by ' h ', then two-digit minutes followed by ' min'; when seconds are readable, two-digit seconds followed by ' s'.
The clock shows 4 h 30 min
